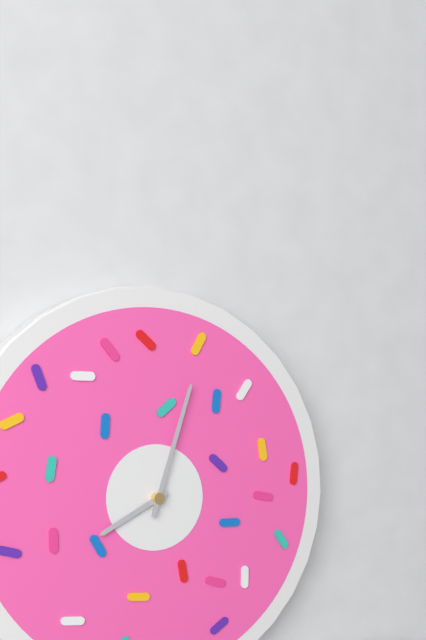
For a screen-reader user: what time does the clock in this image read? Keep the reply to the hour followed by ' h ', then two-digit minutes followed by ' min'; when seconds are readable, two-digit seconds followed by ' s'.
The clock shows 8 h 03 min
